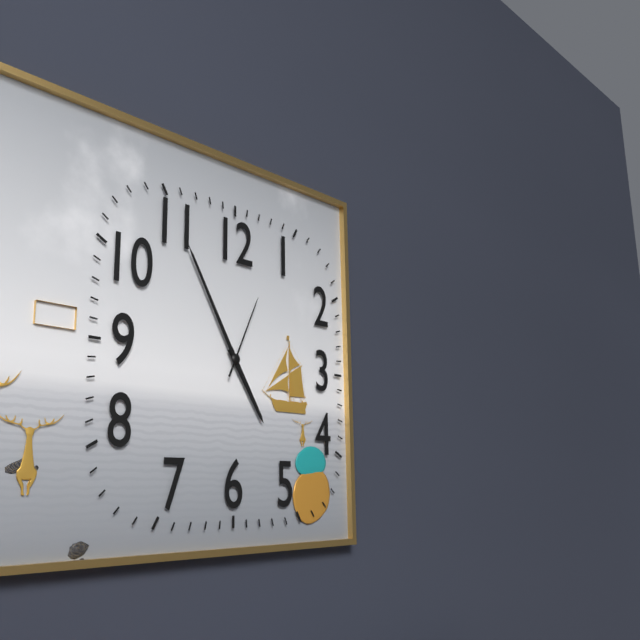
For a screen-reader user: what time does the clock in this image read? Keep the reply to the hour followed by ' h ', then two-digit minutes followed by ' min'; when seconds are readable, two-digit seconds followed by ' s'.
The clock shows 4 h 55 min 04 s
